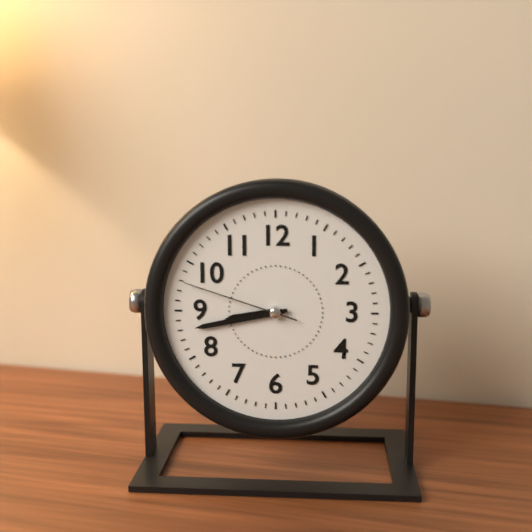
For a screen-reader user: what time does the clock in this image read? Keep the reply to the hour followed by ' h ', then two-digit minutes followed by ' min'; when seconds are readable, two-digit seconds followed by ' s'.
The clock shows 8 h 43 min 48 s
